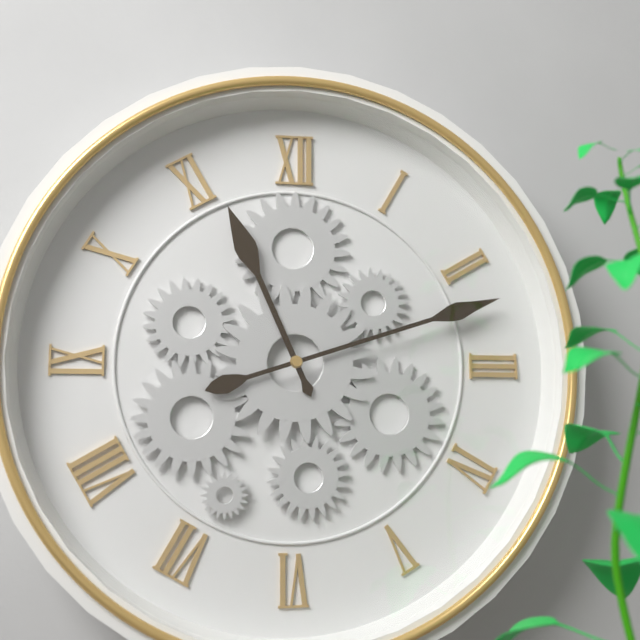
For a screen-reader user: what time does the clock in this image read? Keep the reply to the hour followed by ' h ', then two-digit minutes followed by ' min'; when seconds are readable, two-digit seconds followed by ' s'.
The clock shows 11 h 12 min
